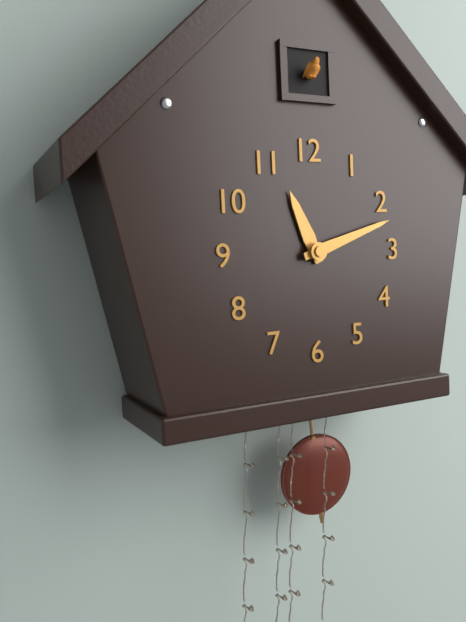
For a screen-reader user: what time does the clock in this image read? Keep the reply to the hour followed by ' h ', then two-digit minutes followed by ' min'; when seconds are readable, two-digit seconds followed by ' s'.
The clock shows 11 h 12 min
